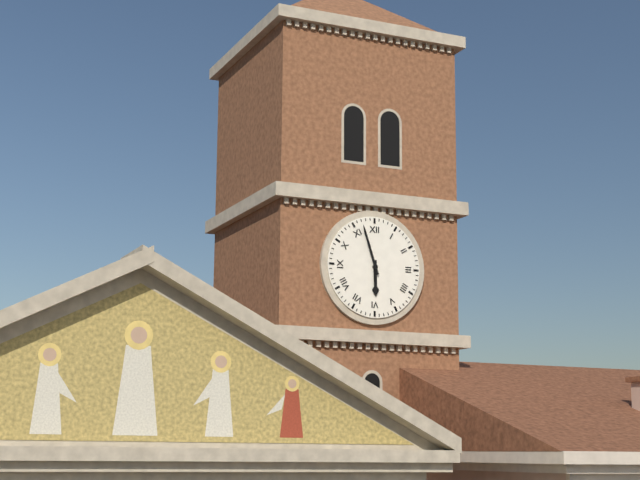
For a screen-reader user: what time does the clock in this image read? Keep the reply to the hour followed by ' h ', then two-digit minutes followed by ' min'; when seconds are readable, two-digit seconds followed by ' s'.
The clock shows 5 h 57 min
